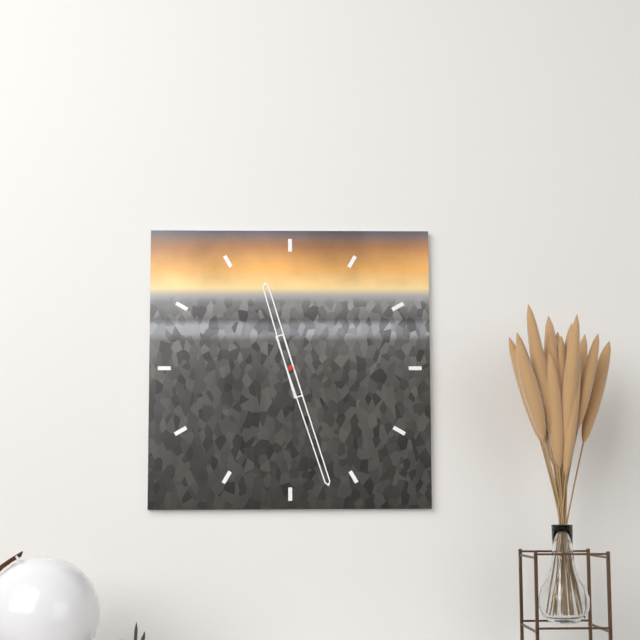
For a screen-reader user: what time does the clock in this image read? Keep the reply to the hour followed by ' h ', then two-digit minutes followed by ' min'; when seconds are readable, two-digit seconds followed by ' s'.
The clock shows 11 h 27 min
